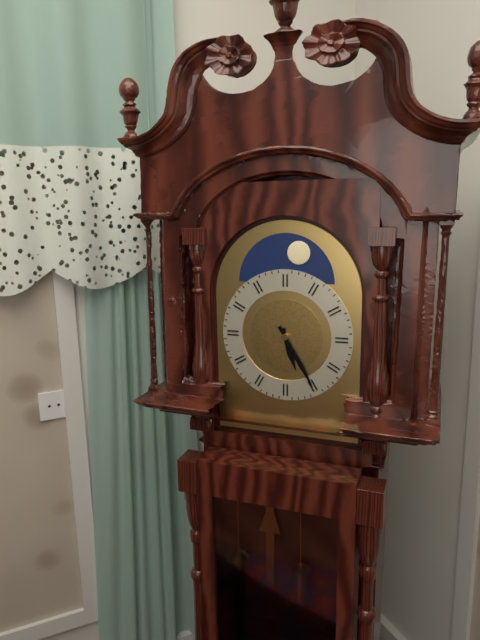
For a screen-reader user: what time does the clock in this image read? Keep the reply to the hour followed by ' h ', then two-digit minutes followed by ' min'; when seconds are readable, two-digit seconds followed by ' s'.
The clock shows 5 h 25 min
